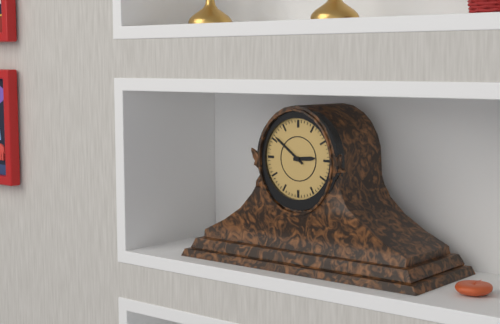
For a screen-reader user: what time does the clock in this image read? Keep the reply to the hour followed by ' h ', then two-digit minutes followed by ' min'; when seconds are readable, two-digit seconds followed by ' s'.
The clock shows 2 h 51 min
